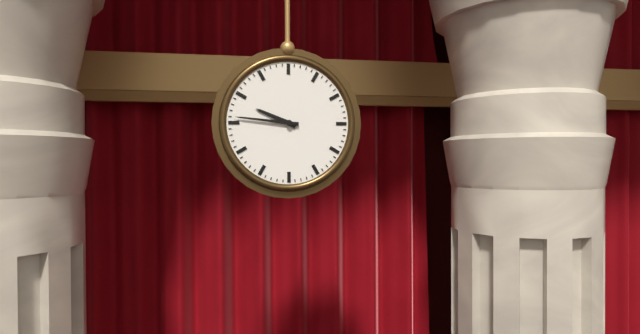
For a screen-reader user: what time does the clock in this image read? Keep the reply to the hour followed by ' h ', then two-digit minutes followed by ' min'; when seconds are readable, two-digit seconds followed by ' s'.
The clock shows 9 h 46 min
